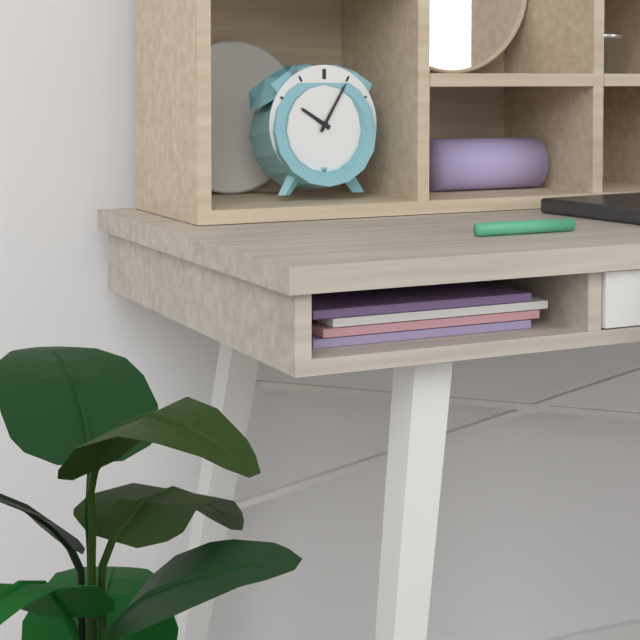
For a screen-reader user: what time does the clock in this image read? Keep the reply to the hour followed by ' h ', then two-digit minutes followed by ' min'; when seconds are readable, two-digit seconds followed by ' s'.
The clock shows 10 h 05 min
